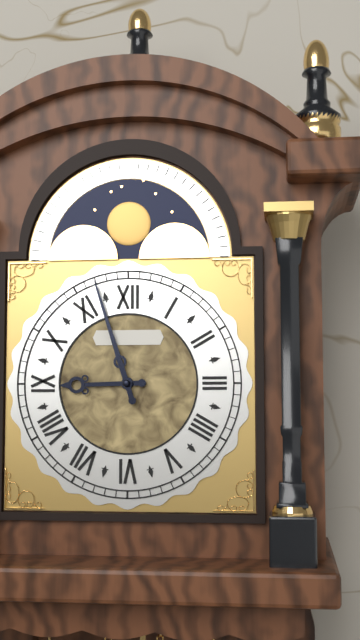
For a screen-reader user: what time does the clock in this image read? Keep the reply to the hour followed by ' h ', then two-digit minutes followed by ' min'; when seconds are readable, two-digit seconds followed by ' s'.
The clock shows 8 h 57 min
